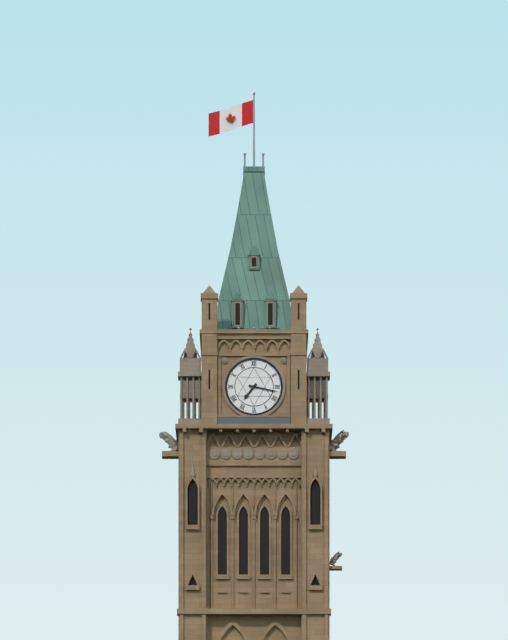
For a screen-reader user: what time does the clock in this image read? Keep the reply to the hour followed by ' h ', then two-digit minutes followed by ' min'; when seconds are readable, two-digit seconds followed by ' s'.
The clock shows 7 h 17 min
